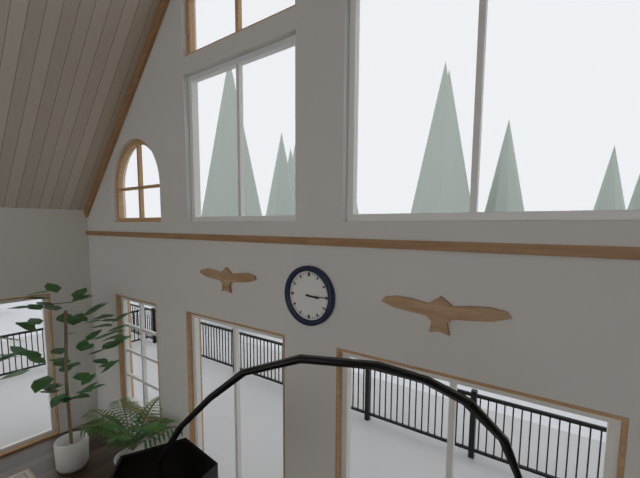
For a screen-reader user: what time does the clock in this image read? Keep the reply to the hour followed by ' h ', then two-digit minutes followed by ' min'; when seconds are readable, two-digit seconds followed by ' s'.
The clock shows 3 h 15 min
